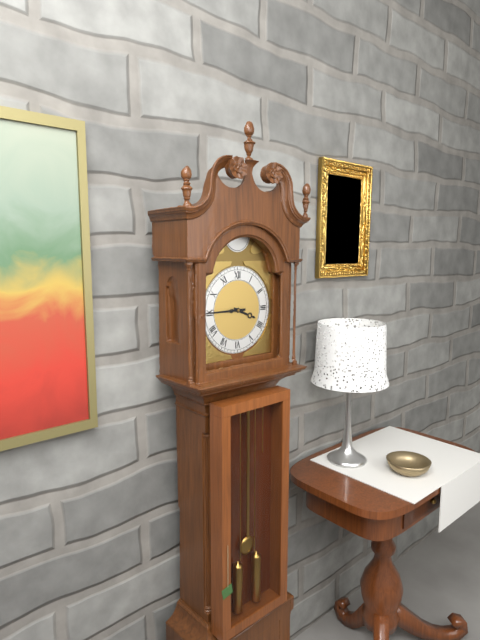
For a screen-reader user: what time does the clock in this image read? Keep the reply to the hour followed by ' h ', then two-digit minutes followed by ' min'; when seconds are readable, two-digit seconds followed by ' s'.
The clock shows 3 h 45 min
